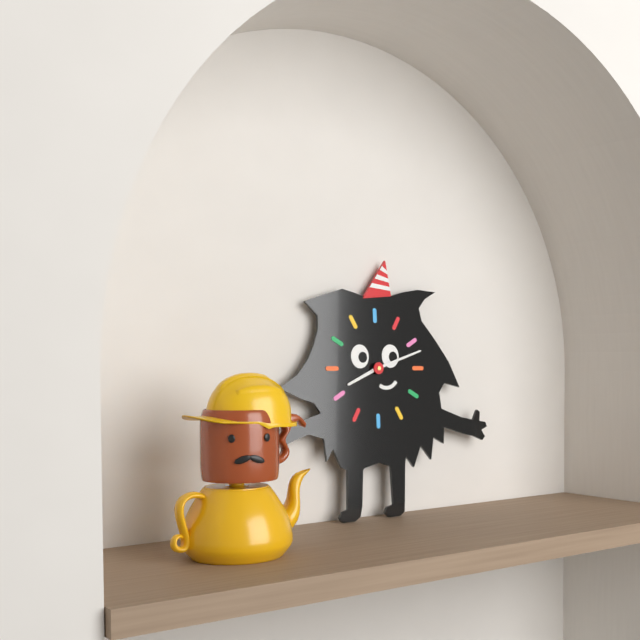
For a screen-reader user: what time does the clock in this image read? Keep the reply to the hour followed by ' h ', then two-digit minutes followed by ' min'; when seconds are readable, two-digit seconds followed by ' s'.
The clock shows 8 h 12 min
